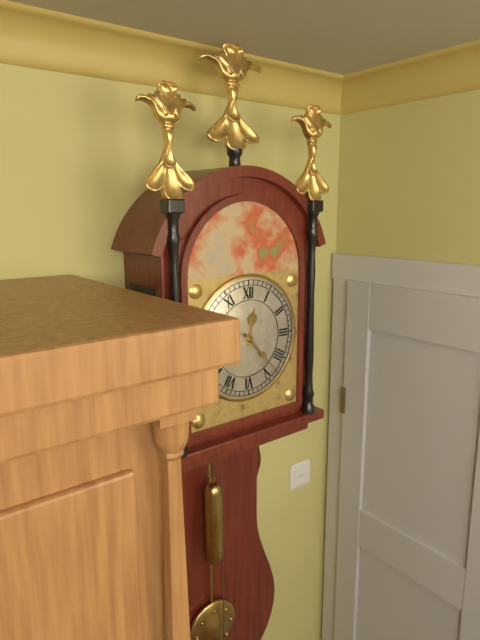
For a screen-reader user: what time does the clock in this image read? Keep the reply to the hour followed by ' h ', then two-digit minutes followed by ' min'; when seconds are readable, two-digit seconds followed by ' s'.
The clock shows 12 h 23 min
